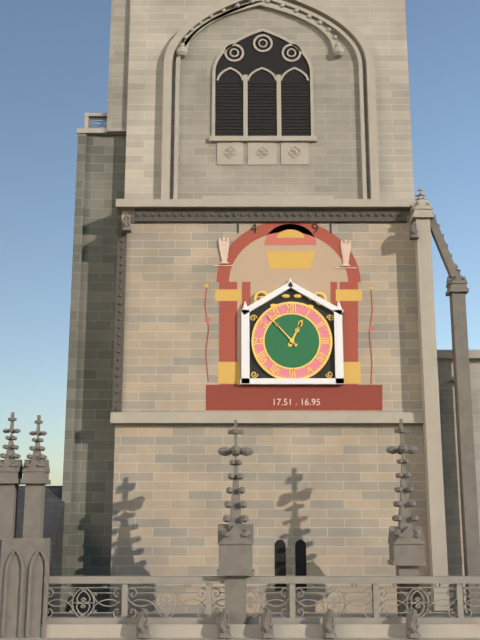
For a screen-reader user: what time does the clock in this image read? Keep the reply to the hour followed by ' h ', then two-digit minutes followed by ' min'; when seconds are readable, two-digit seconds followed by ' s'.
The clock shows 12 h 53 min
